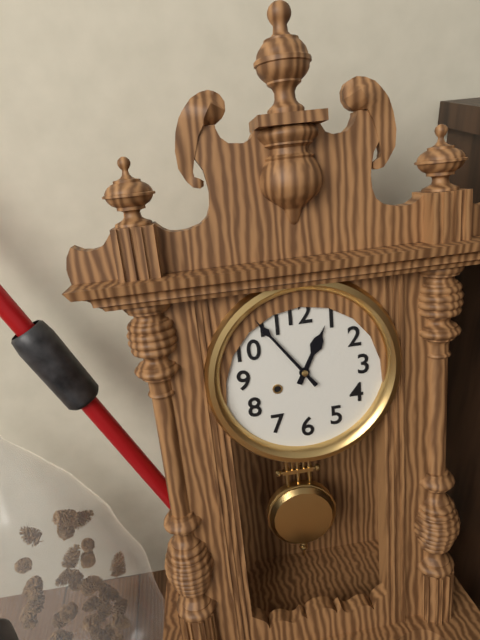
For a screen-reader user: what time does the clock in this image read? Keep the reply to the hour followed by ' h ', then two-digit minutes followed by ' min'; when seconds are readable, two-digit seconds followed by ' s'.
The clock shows 12 h 54 min
